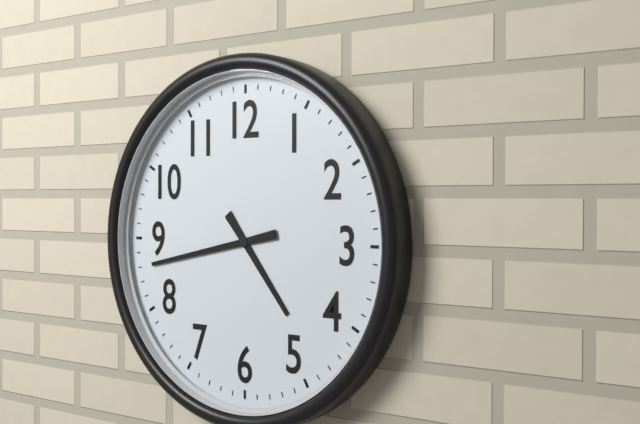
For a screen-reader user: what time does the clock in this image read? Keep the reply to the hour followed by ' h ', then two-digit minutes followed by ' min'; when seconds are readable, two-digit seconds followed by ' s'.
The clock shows 4 h 43 min
